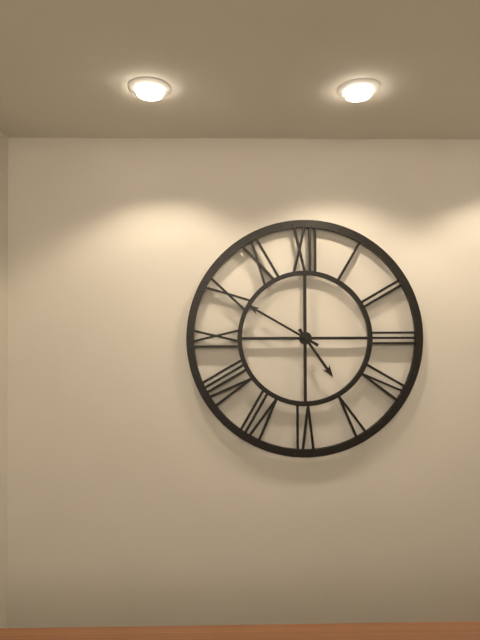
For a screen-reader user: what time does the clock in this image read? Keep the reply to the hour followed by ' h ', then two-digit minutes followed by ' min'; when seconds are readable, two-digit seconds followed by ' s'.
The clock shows 4 h 50 min
